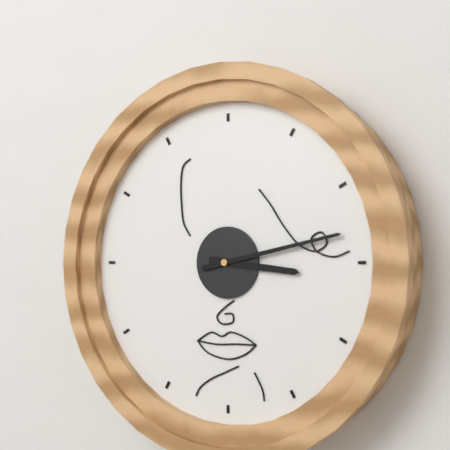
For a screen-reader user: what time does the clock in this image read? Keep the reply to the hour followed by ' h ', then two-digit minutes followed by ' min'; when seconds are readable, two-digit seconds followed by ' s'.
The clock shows 3 h 13 min
